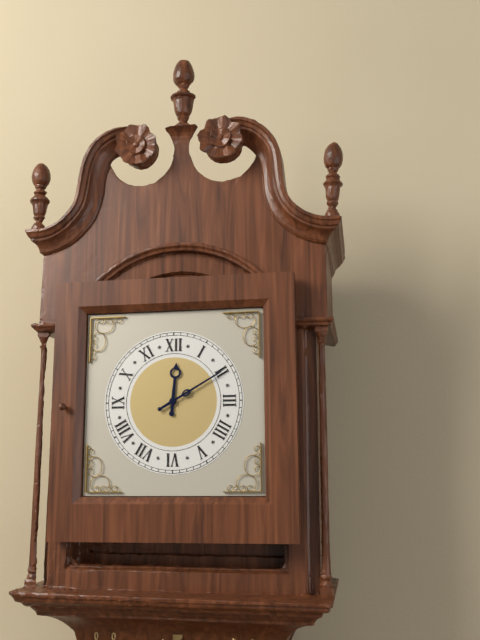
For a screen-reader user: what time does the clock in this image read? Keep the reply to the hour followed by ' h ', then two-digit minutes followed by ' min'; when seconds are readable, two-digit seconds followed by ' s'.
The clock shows 12 h 10 min
